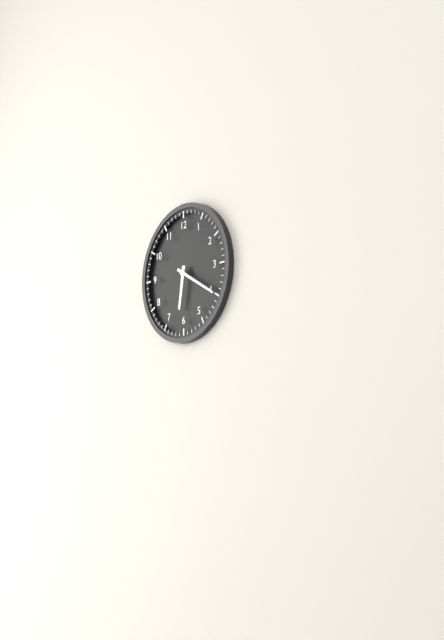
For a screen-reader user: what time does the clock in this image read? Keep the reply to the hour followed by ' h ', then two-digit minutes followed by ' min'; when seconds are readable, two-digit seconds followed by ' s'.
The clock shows 6 h 20 min
